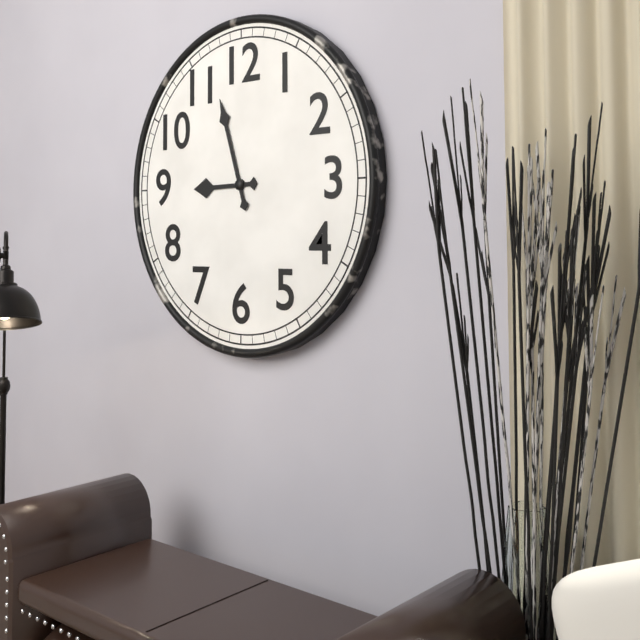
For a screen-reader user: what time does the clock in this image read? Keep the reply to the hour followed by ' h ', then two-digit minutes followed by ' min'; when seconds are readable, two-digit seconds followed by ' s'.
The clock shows 8 h 57 min
